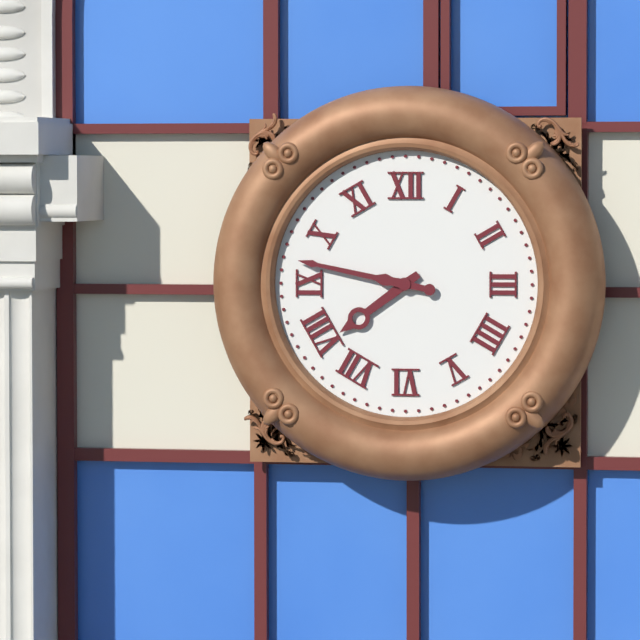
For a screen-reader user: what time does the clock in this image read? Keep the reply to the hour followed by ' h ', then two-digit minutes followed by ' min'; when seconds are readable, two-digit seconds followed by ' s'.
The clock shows 7 h 47 min
